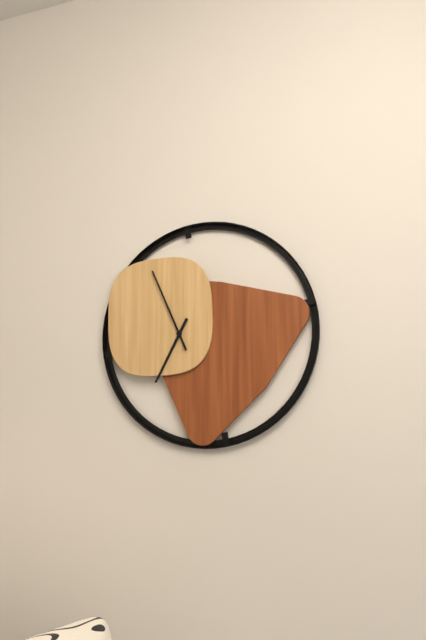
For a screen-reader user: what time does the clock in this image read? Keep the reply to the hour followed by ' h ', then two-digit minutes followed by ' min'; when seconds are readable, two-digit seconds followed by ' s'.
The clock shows 6 h 56 min
